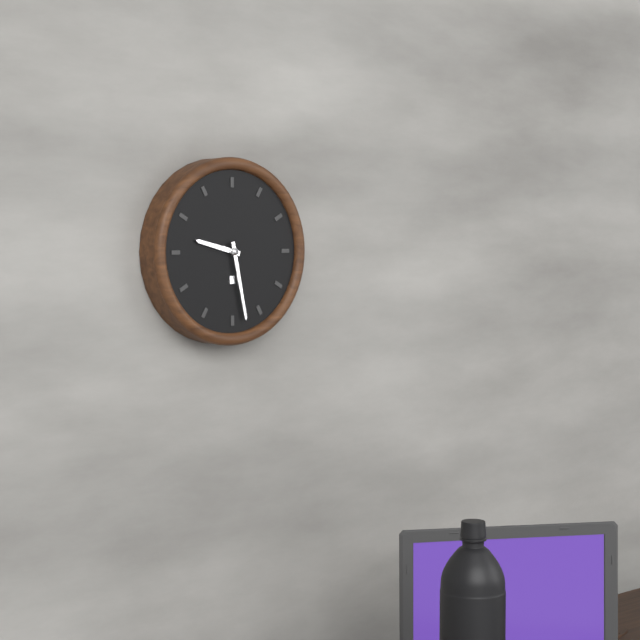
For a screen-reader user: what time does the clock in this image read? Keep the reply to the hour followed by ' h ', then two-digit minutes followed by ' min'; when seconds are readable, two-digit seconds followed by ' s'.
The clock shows 9 h 28 min
